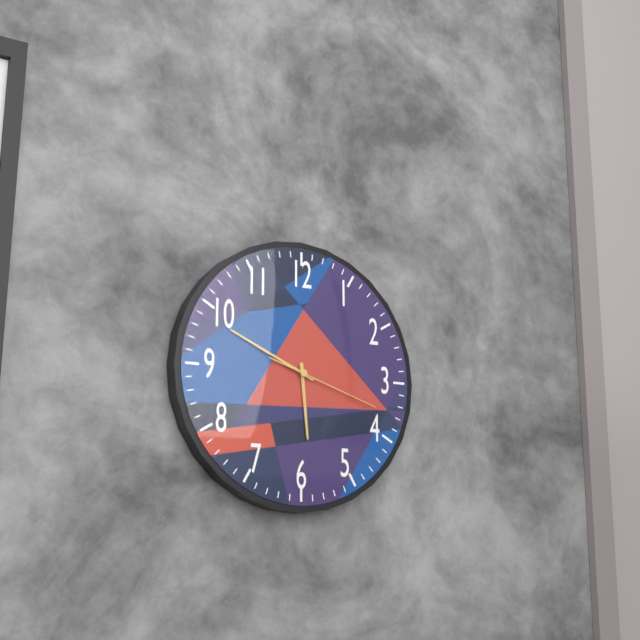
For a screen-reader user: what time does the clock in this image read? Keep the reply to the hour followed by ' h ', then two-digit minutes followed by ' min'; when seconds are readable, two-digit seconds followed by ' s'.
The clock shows 5 h 49 min 18 s
